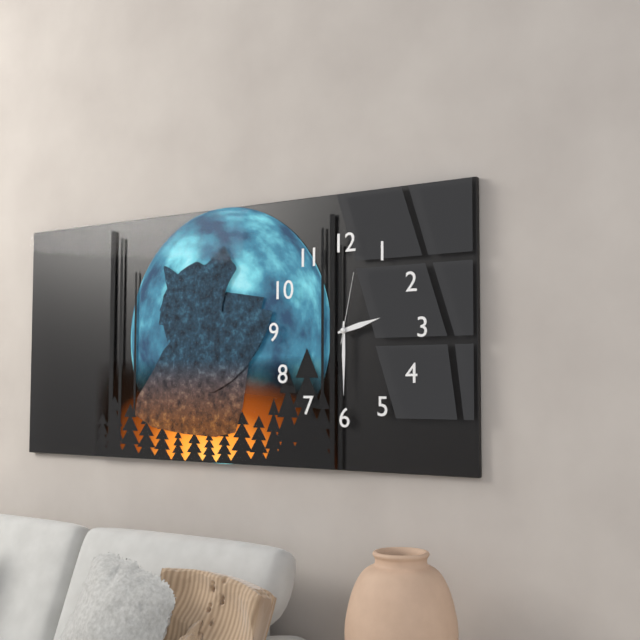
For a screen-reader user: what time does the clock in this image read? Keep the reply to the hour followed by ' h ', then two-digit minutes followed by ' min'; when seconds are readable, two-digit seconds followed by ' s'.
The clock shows 2 h 30 min 02 s
